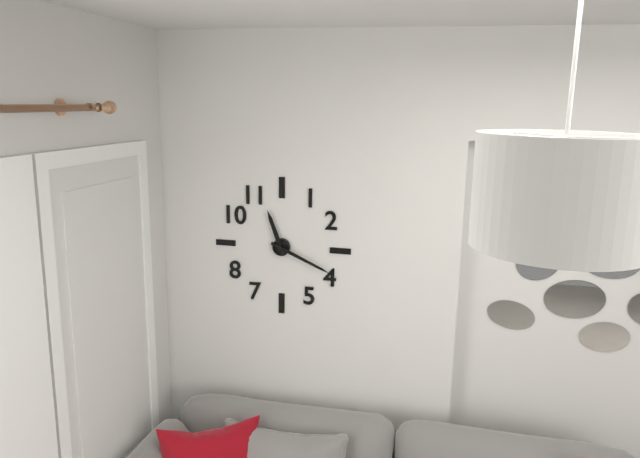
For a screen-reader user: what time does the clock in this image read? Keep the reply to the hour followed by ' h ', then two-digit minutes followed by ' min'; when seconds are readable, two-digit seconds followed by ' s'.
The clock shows 11 h 19 min
